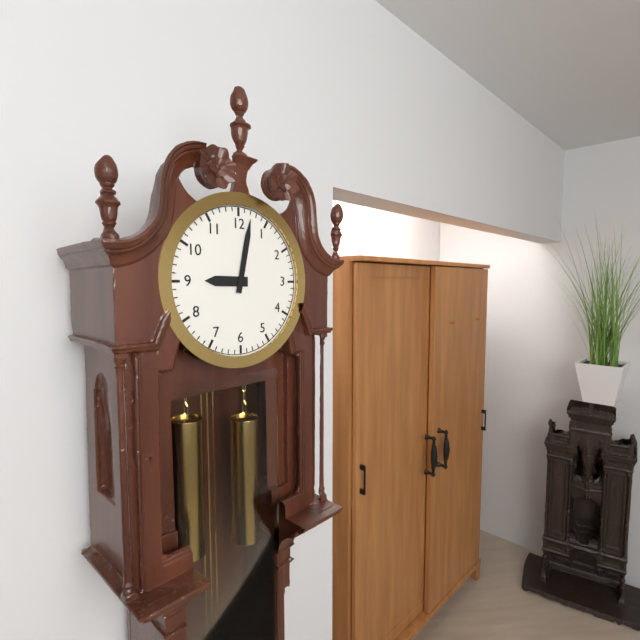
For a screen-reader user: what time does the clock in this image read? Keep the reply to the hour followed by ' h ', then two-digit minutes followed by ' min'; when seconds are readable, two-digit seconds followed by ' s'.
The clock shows 9 h 02 min
